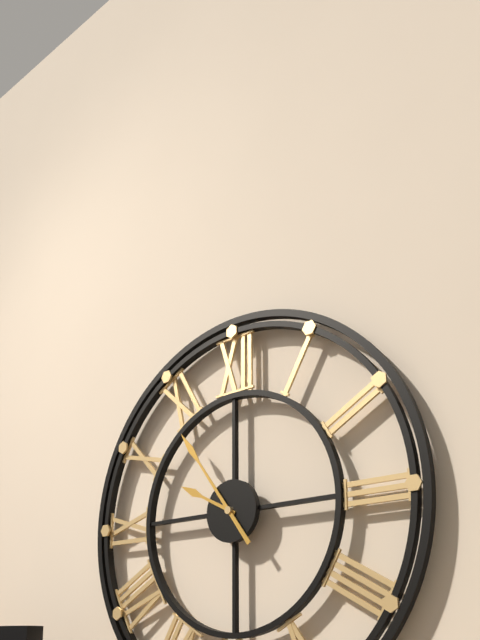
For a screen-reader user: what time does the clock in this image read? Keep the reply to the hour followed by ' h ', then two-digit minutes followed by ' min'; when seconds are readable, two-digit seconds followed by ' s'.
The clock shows 9 h 54 min
